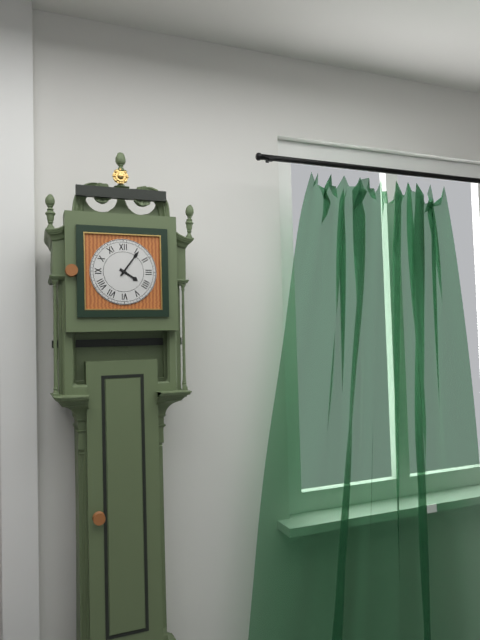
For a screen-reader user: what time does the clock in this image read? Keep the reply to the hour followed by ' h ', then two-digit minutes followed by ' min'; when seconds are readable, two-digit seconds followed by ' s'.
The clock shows 4 h 06 min
